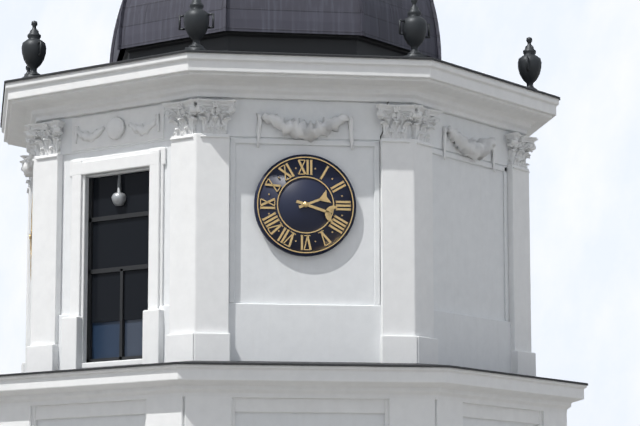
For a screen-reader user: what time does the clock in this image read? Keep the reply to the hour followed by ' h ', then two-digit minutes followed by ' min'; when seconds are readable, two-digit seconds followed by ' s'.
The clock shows 2 h 18 min
